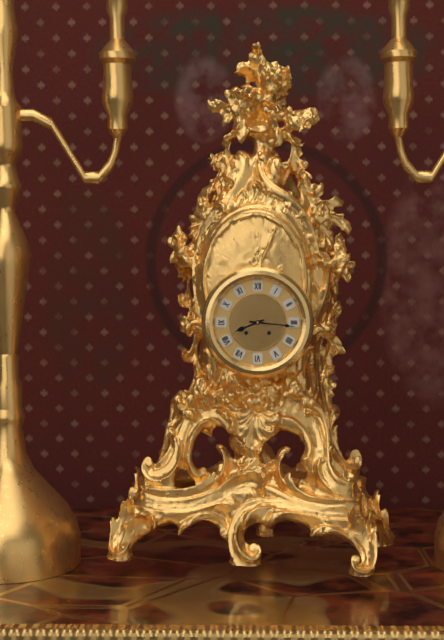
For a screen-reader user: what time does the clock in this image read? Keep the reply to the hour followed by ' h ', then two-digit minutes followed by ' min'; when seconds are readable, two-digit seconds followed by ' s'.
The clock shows 8 h 16 min
